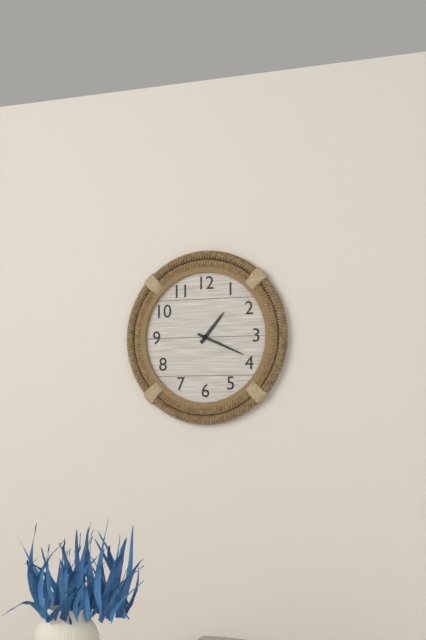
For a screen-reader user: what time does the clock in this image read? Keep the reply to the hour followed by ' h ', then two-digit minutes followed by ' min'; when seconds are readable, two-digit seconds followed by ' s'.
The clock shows 1 h 19 min
